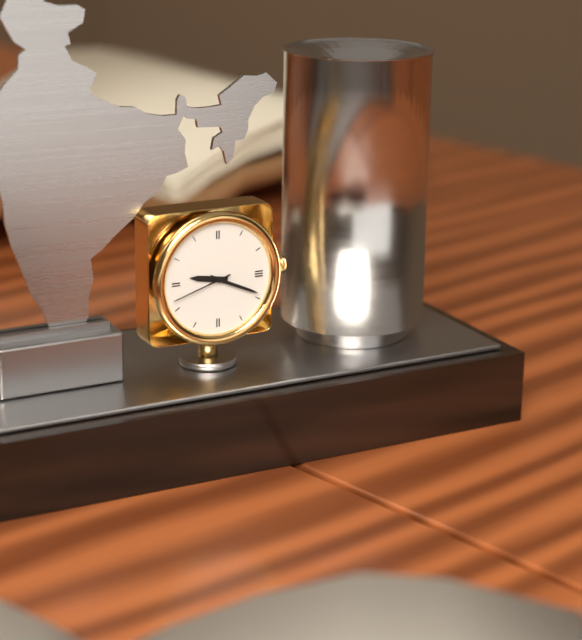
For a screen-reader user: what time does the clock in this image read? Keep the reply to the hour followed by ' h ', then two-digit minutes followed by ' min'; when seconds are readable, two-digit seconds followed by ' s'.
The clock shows 9 h 19 min 42 s
